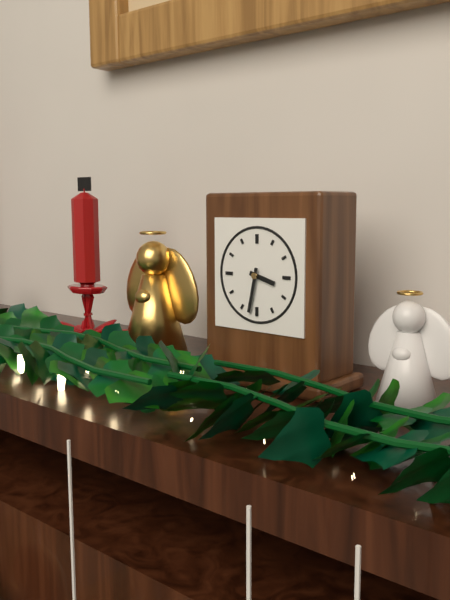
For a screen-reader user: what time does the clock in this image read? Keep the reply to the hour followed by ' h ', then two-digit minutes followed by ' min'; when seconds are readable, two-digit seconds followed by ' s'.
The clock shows 3 h 32 min
